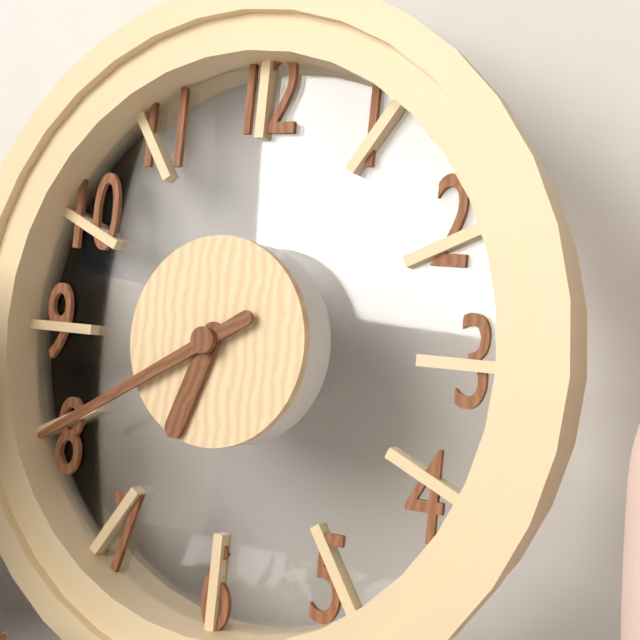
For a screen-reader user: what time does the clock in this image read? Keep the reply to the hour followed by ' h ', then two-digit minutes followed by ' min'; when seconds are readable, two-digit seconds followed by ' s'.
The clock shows 6 h 40 min
